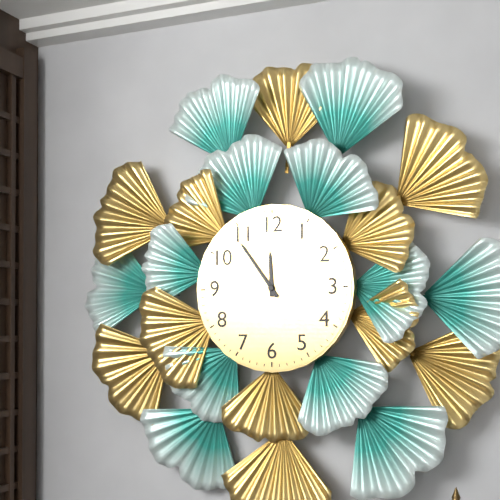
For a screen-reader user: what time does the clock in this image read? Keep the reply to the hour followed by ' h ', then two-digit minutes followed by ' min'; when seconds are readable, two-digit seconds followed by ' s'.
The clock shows 11 h 54 min
